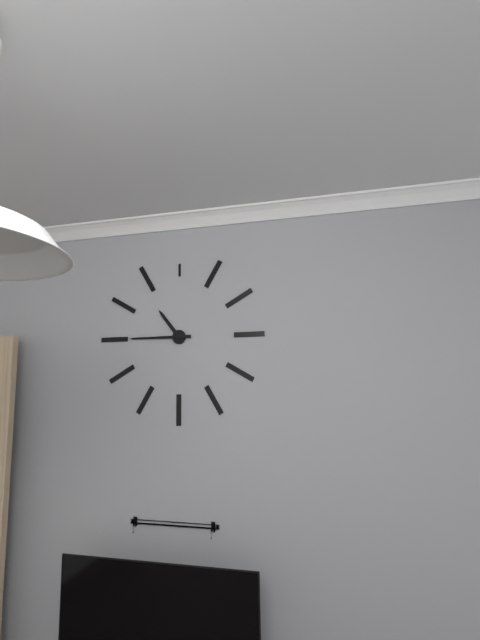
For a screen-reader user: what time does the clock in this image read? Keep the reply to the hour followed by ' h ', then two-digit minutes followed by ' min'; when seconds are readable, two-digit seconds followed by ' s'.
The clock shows 10 h 45 min
